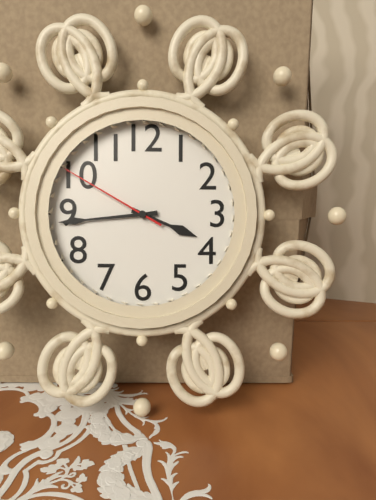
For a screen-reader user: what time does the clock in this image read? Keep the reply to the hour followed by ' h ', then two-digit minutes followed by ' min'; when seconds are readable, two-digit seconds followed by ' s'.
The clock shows 3 h 44 min 50 s
